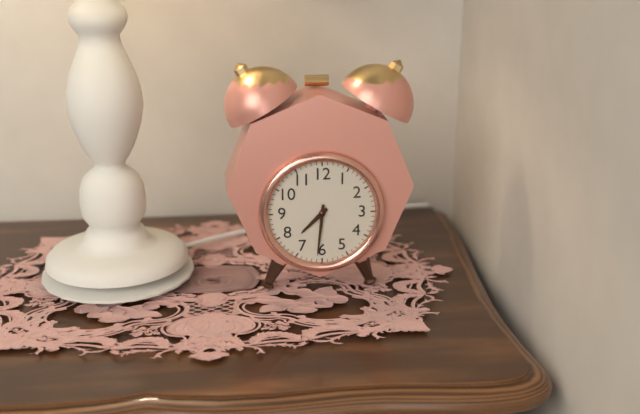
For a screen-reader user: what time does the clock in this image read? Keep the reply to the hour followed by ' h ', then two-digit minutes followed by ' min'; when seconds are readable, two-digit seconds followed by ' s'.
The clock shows 7 h 31 min
